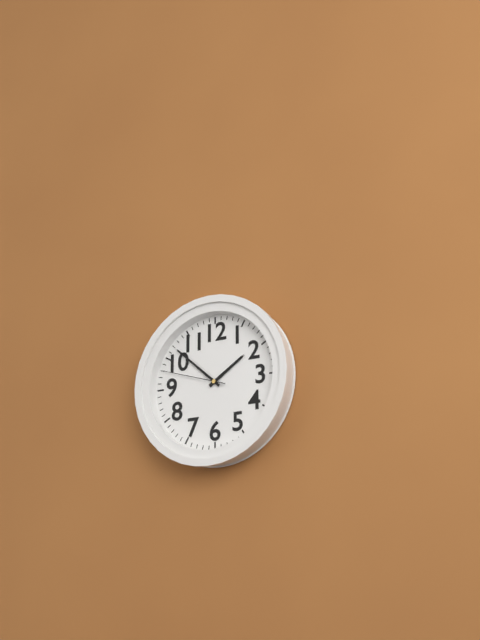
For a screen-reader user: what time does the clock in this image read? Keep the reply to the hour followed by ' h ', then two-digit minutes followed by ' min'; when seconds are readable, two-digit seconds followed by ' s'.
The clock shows 1 h 52 min 48 s
